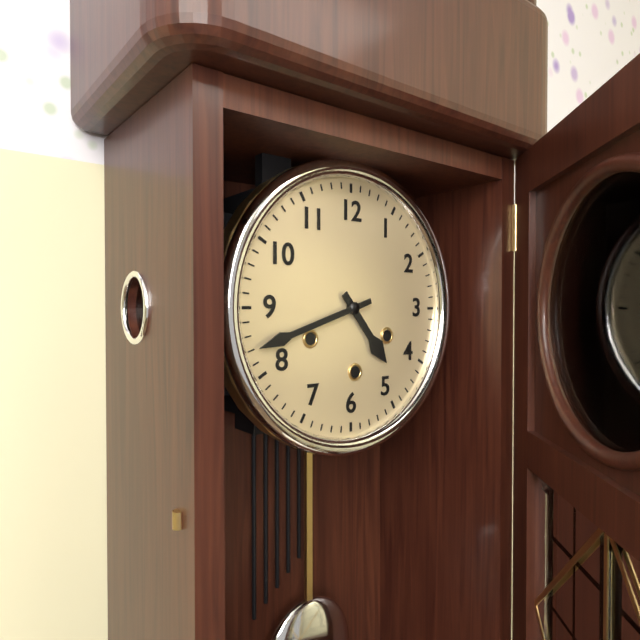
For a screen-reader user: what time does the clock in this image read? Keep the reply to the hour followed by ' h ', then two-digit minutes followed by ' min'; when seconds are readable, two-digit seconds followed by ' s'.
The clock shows 4 h 42 min
